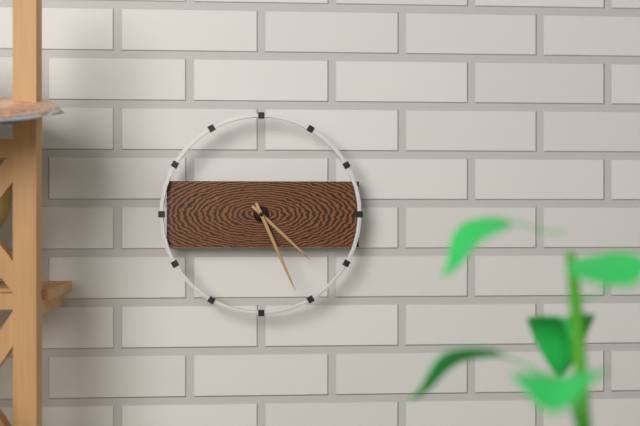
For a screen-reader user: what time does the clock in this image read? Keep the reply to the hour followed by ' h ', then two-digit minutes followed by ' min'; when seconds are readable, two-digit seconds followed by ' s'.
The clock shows 4 h 26 min
